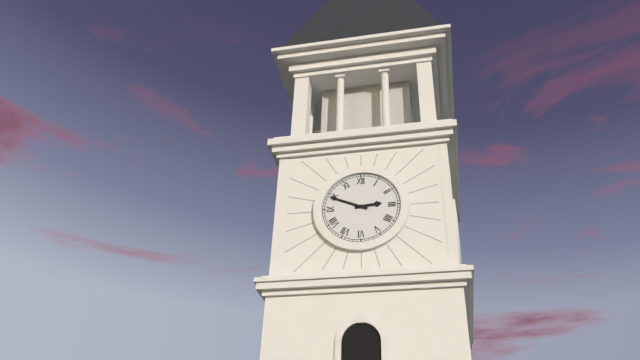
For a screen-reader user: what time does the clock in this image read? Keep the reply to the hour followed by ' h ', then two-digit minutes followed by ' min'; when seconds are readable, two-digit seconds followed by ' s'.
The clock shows 2 h 49 min
